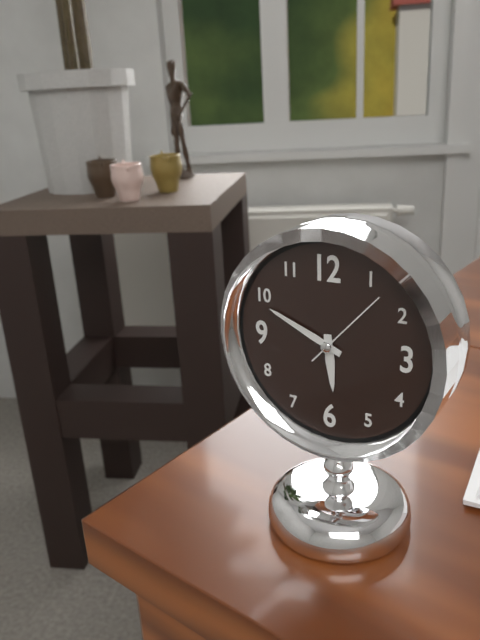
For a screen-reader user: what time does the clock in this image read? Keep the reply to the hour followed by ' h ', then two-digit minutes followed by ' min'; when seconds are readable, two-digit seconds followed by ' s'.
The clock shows 5 h 49 min 07 s
